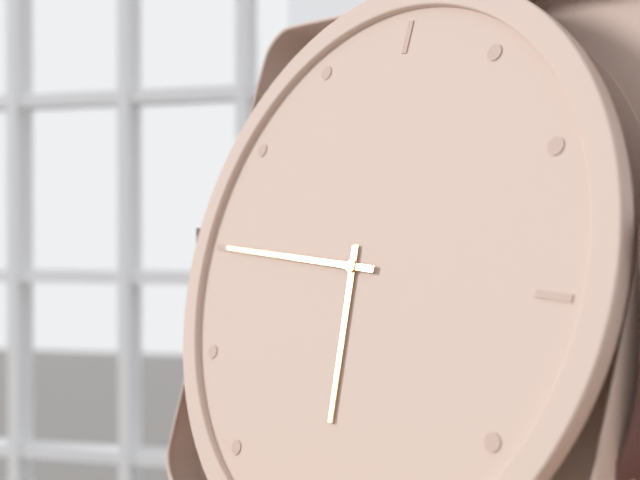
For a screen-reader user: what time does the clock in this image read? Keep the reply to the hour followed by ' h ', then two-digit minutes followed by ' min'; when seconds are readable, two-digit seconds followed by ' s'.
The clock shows 5 h 45 min
